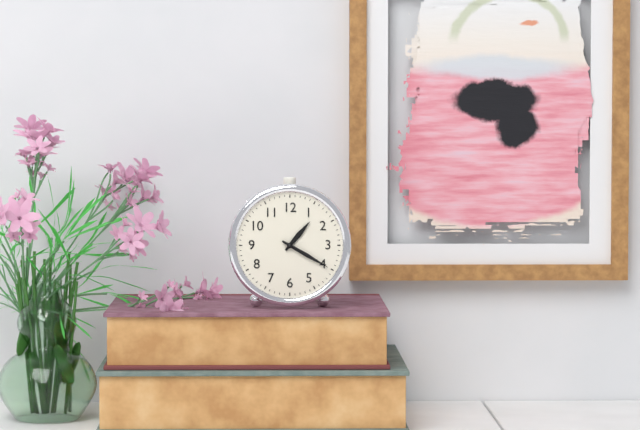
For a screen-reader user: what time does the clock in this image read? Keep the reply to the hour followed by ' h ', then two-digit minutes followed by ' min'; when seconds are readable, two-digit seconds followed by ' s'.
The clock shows 1 h 20 min
